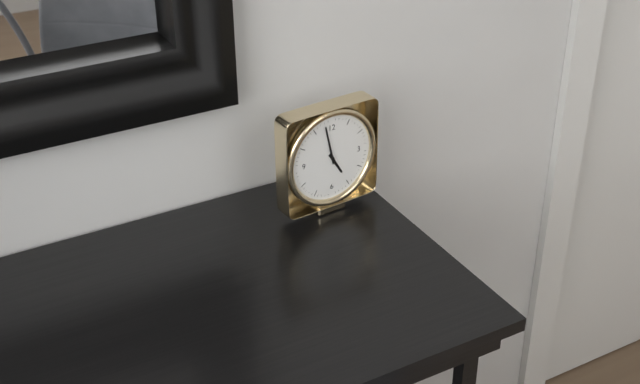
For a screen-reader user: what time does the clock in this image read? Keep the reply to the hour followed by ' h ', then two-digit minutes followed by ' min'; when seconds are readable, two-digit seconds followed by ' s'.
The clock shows 4 h 58 min
